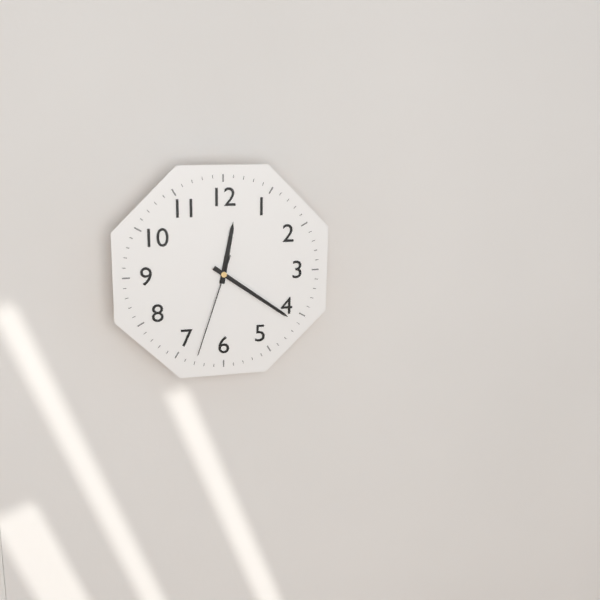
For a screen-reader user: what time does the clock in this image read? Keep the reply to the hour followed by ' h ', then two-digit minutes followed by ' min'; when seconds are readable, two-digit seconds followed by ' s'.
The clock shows 12 h 21 min 33 s
